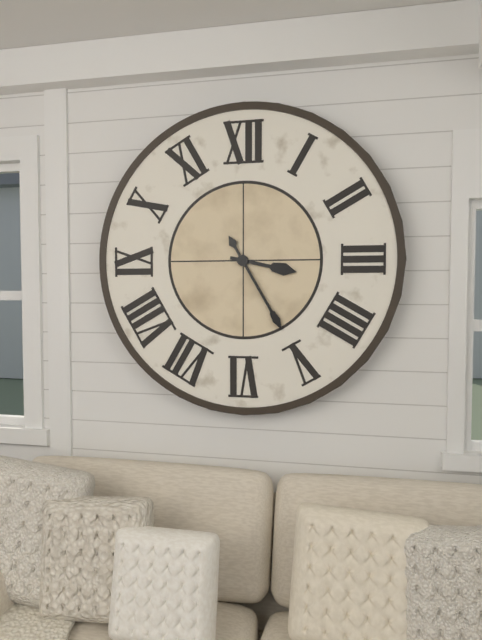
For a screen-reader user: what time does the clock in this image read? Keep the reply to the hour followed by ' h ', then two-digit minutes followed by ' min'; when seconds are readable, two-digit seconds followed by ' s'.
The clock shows 3 h 25 min
